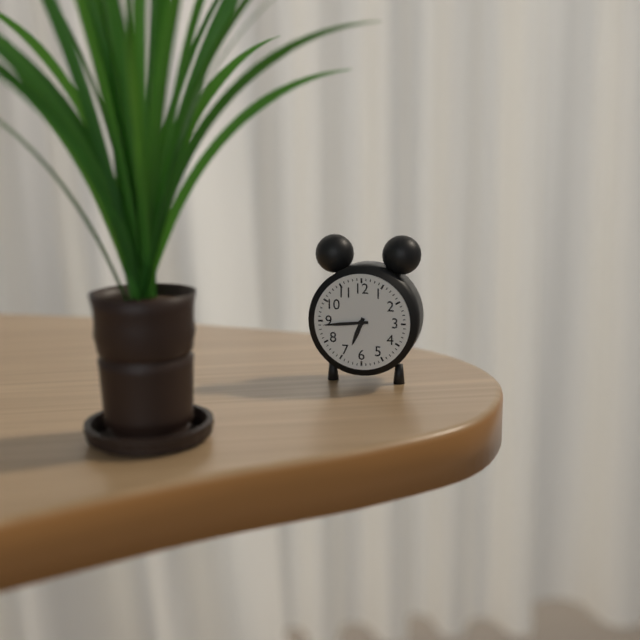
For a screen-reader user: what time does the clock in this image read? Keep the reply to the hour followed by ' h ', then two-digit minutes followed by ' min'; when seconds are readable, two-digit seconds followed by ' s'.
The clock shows 6 h 44 min
